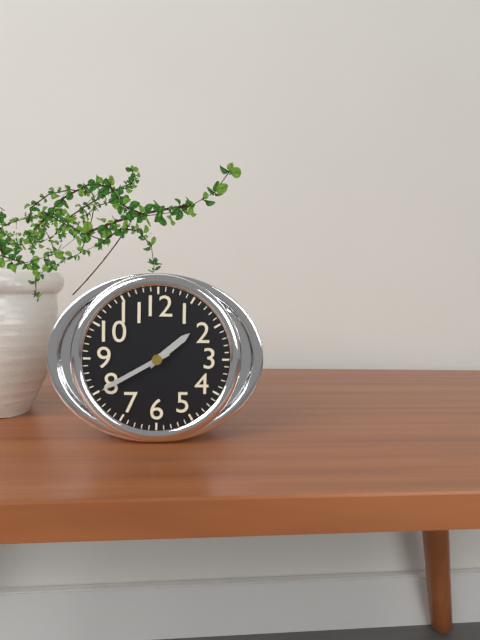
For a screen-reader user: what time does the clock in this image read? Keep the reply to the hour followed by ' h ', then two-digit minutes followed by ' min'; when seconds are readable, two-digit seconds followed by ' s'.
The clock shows 1 h 40 min
